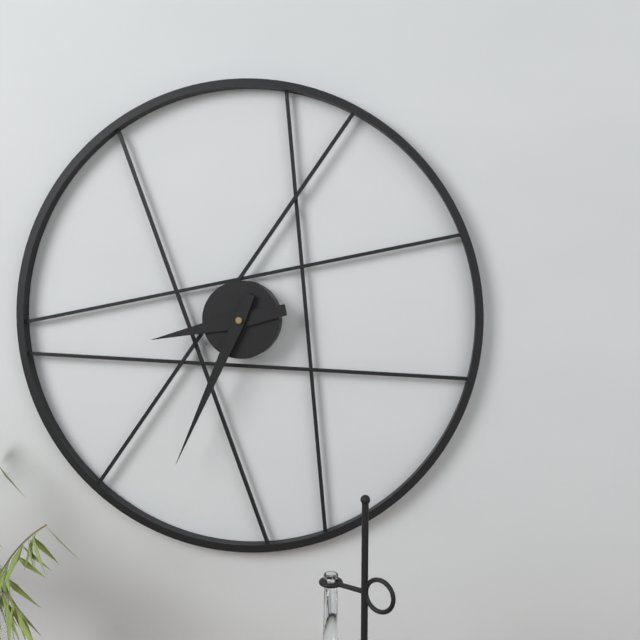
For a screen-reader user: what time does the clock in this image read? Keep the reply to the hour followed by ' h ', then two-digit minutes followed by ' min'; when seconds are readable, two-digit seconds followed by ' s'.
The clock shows 8 h 34 min
